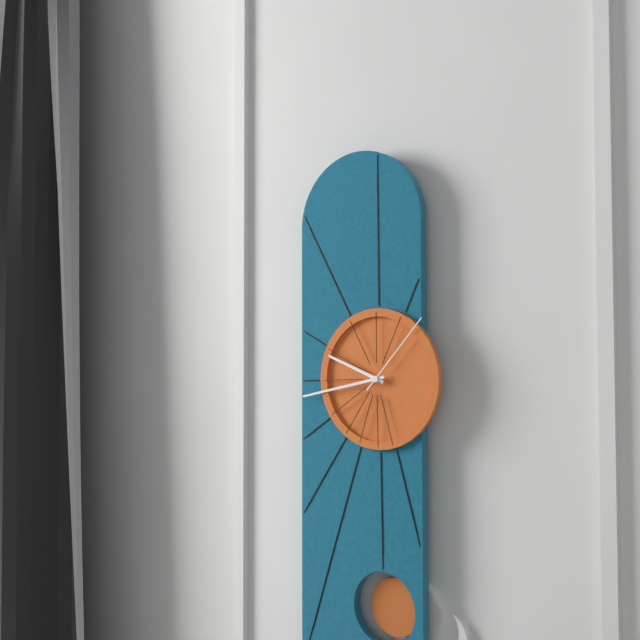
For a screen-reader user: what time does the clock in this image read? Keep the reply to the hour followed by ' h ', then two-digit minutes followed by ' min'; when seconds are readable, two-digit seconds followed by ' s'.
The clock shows 9 h 43 min 07 s
